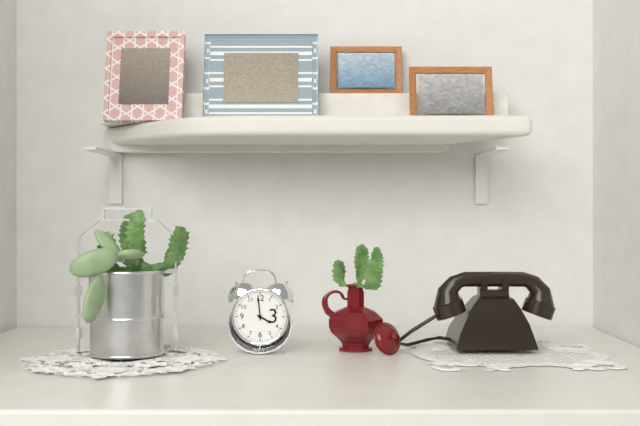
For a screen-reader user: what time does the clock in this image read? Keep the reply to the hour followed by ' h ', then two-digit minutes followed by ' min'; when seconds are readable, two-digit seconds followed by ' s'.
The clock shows 3 h 59 min
